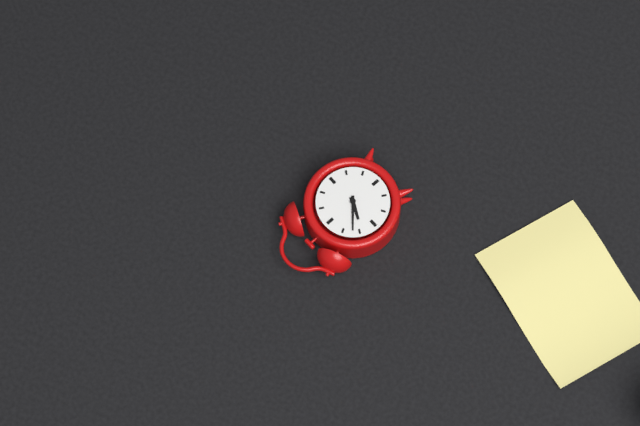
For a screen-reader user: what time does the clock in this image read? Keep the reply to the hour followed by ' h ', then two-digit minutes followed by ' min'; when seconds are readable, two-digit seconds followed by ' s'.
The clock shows 9 h 52 min
